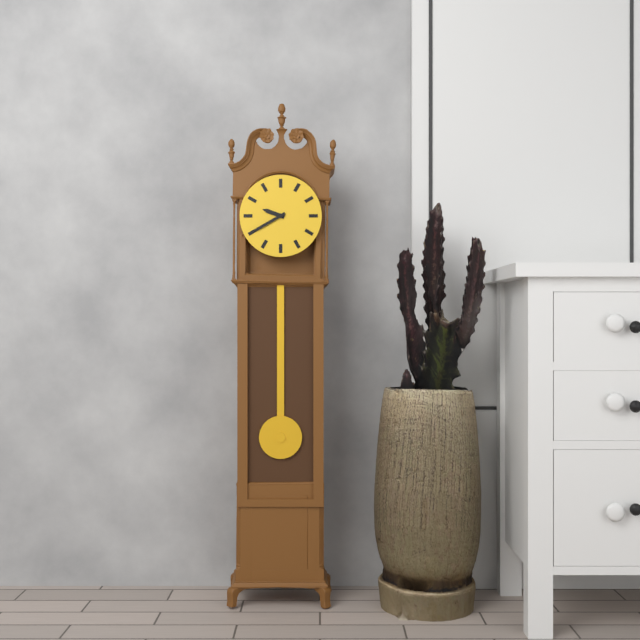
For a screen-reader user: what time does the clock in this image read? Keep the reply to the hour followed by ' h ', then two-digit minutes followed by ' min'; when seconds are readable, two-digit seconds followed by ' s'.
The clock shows 9 h 40 min
